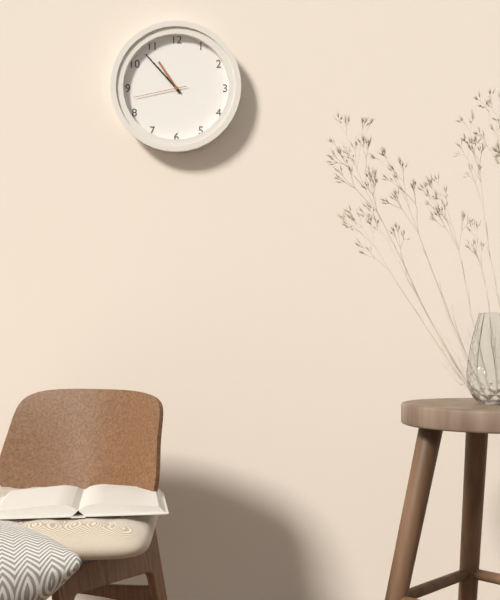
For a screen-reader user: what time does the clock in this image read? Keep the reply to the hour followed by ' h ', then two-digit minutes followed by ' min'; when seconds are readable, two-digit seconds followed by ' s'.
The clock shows 10 h 53 min 43 s
